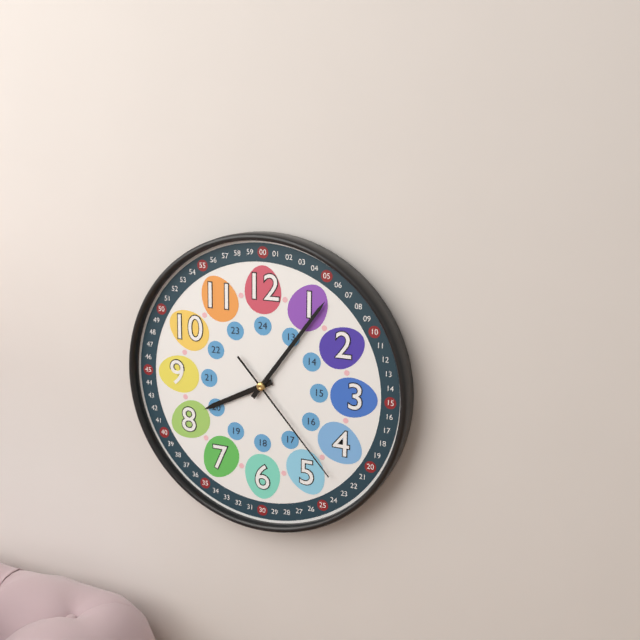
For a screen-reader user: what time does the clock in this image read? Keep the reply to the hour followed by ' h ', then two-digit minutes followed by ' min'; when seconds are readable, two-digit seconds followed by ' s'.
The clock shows 8 h 06 min 23 s
